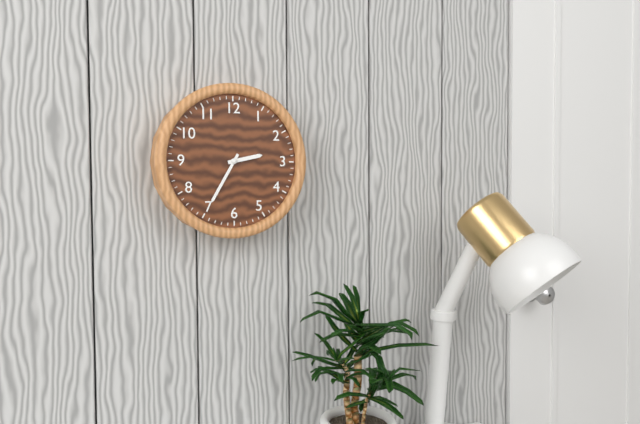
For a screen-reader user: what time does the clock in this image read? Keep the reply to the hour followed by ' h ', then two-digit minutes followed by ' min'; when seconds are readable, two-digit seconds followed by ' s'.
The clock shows 2 h 35 min
